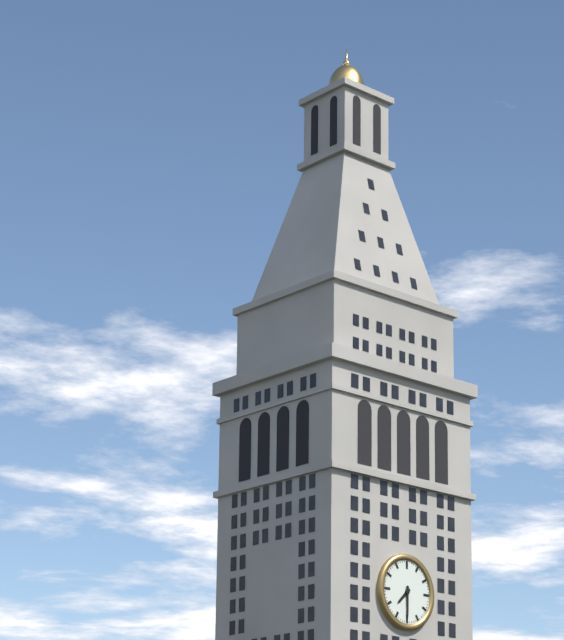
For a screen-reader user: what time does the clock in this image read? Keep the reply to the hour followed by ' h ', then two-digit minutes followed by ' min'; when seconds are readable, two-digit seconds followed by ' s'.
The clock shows 7 h 30 min
